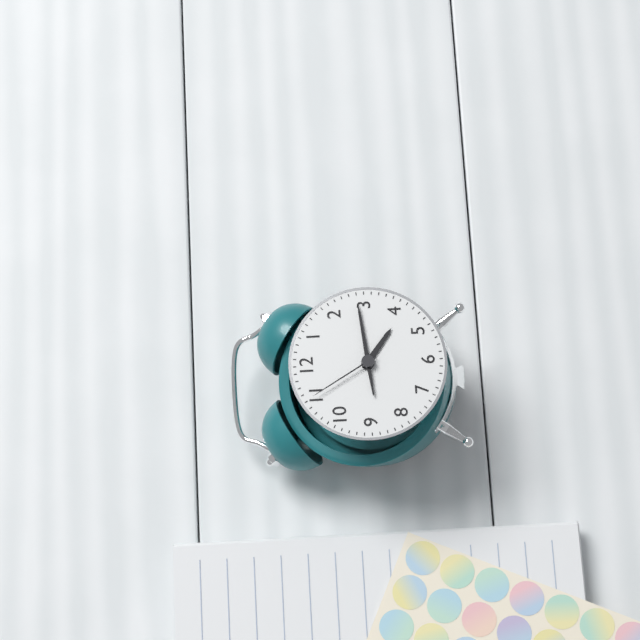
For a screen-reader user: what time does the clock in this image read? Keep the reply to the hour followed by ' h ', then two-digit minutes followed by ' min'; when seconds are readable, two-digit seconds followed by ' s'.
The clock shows 4 h 14 min 55 s
